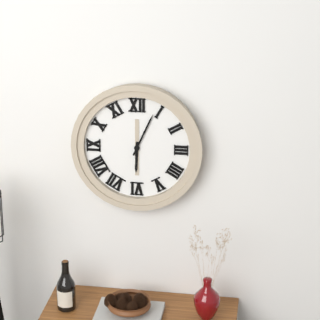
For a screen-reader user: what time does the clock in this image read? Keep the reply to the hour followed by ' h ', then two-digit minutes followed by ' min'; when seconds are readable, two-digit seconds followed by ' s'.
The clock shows 6 h 04 min
